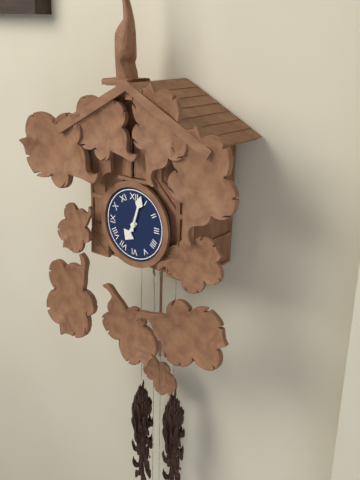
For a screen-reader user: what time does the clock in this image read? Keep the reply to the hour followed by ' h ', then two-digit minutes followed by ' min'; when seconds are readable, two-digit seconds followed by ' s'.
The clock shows 7 h 03 min
